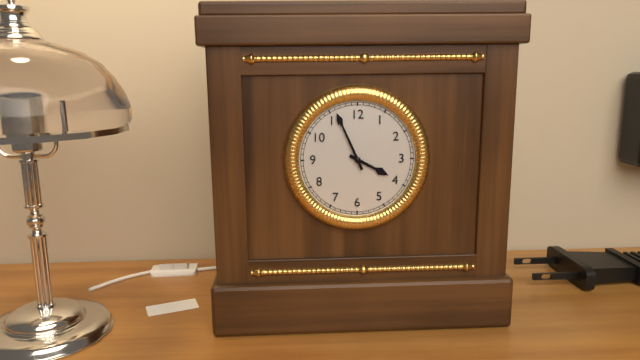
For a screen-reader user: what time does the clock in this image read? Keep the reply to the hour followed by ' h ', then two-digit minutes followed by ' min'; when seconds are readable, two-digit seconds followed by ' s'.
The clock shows 3 h 56 min
